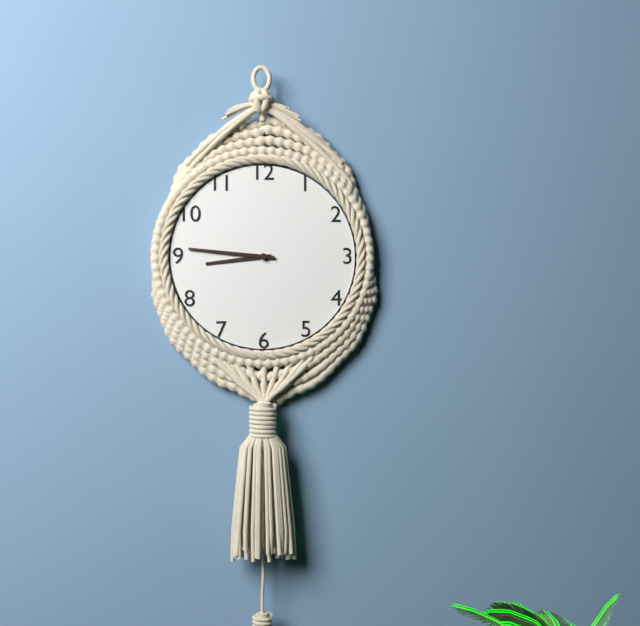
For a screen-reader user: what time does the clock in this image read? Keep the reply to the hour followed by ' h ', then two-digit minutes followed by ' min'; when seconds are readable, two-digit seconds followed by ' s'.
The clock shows 8 h 46 min
